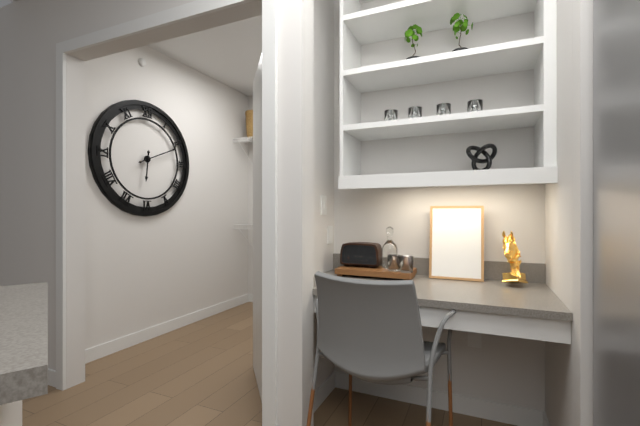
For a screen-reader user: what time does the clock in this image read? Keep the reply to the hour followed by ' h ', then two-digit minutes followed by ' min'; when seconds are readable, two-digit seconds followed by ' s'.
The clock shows 6 h 11 min
